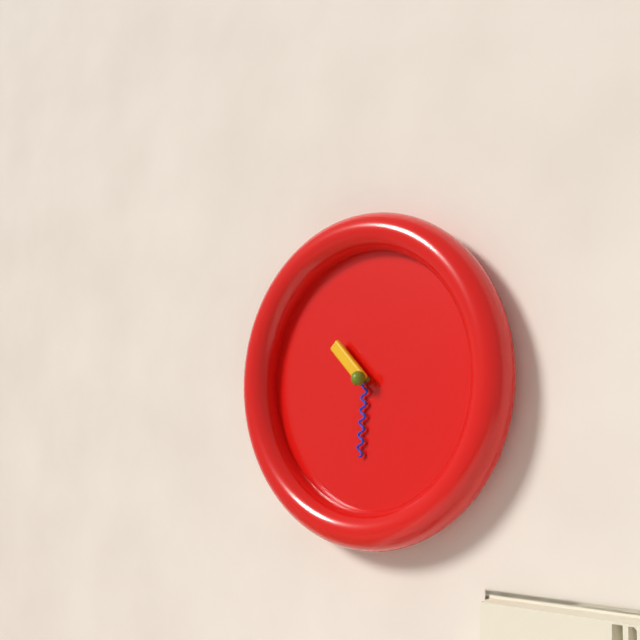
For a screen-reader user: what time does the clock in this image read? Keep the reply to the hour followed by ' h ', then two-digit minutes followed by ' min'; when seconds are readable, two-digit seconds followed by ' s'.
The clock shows 10 h 31 min
